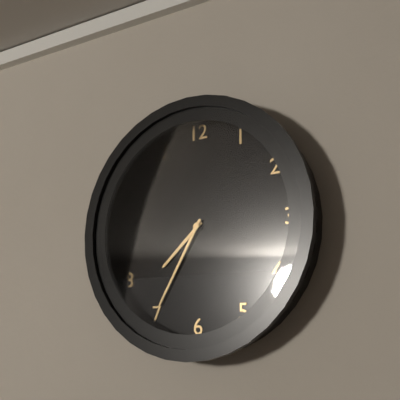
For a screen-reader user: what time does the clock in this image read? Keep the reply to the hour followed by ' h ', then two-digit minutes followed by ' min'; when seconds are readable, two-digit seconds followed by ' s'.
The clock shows 7 h 35 min
